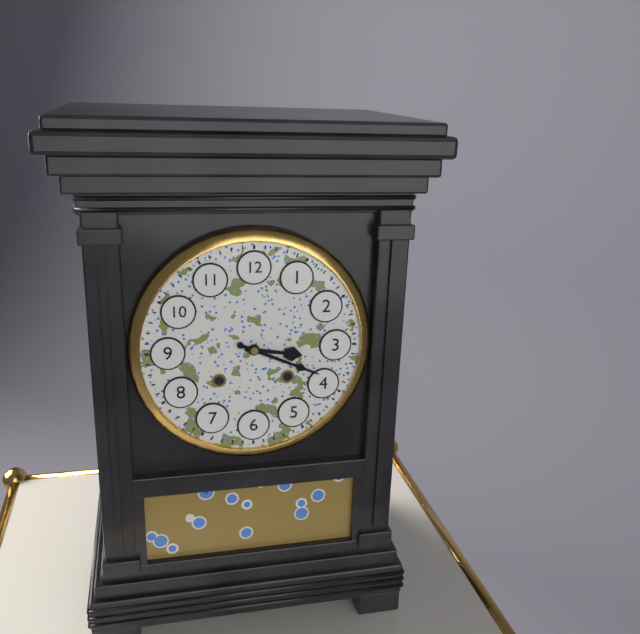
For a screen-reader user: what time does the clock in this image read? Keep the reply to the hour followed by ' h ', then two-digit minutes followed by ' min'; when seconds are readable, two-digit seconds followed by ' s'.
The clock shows 3 h 19 min
